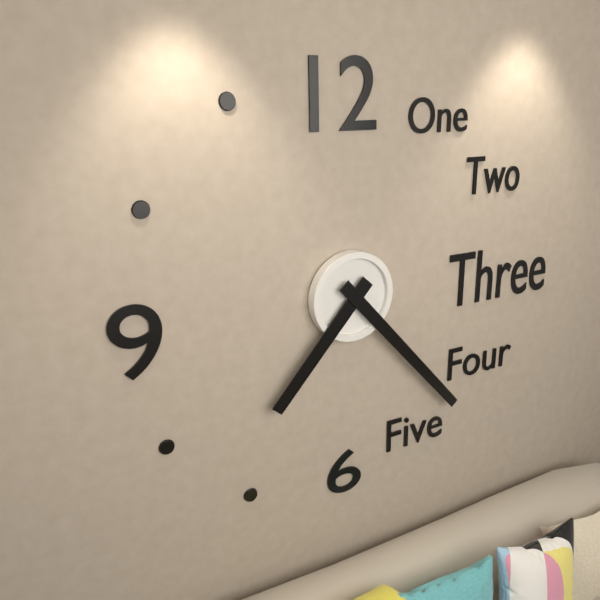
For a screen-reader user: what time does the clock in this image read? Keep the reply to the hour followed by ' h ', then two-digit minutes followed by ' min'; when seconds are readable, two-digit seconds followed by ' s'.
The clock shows 7 h 23 min
